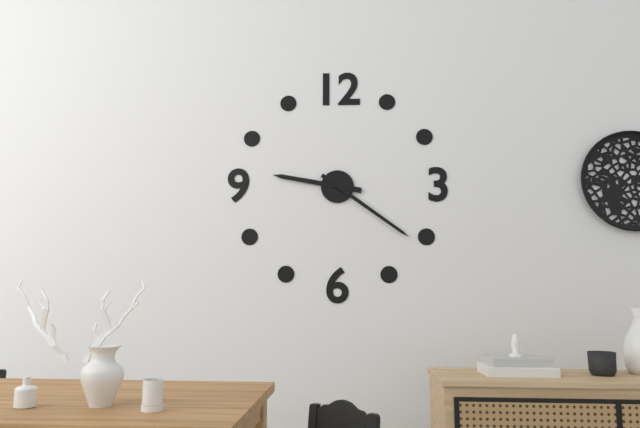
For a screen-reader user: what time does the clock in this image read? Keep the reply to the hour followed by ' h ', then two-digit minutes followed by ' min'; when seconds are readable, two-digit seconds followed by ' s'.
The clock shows 9 h 21 min
